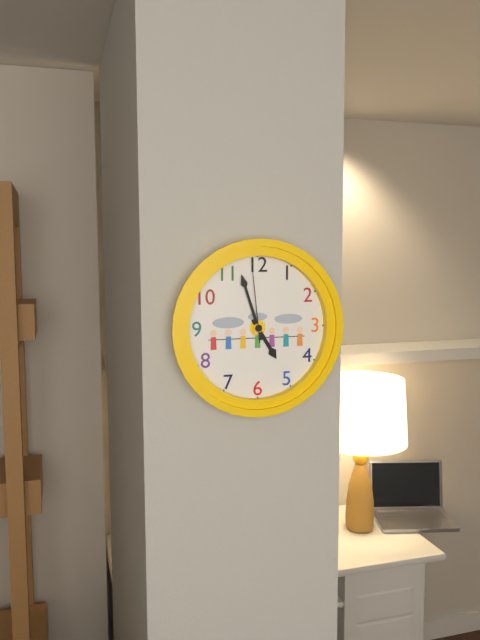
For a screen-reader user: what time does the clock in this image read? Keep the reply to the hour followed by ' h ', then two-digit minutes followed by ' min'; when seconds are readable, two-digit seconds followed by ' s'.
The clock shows 4 h 57 min 59 s
